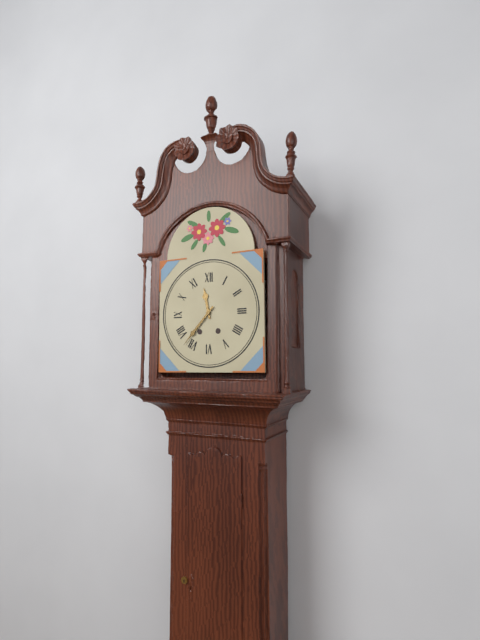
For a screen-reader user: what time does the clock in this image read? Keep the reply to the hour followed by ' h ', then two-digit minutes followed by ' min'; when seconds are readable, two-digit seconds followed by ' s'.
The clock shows 11 h 37 min
